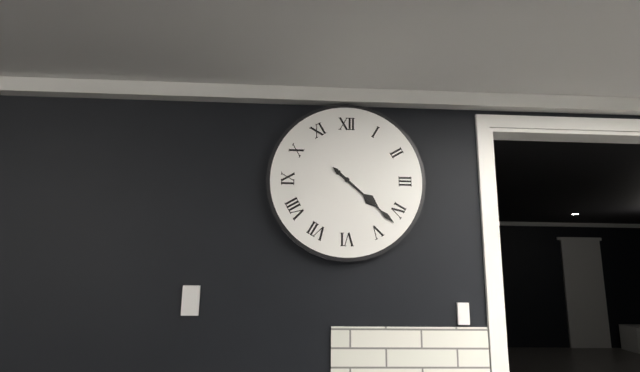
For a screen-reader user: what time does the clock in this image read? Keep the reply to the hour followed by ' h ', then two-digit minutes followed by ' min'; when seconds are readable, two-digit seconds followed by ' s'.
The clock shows 4 h 22 min
